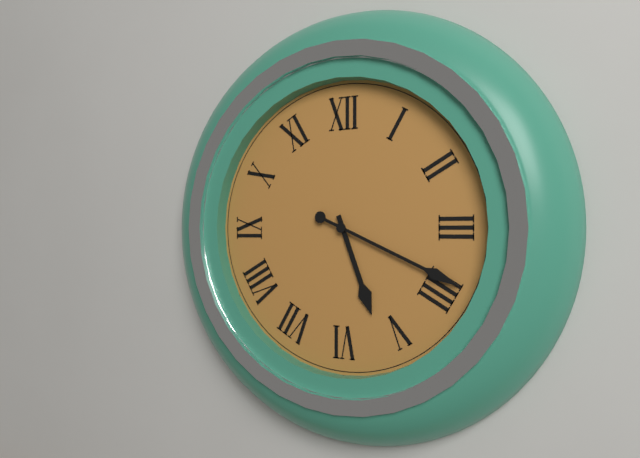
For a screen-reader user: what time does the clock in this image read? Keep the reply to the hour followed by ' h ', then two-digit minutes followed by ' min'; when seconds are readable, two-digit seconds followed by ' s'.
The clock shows 5 h 19 min
